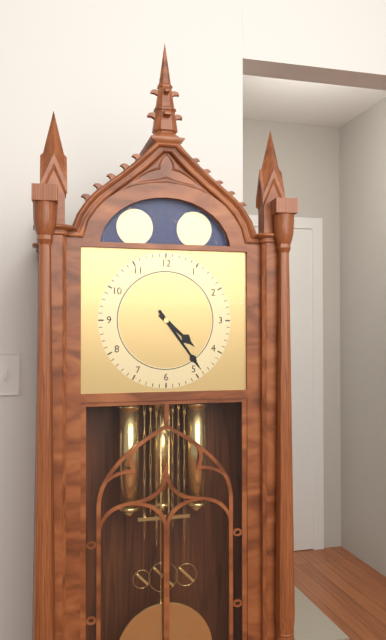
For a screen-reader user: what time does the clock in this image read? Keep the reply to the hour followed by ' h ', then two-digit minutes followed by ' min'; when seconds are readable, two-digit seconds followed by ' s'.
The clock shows 4 h 24 min
